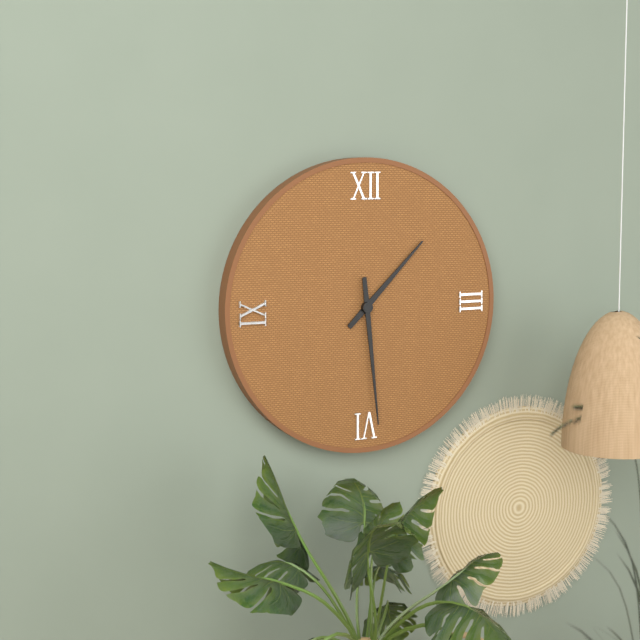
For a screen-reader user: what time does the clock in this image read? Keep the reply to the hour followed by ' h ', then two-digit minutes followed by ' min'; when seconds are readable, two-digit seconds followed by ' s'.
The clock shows 1 h 29 min
